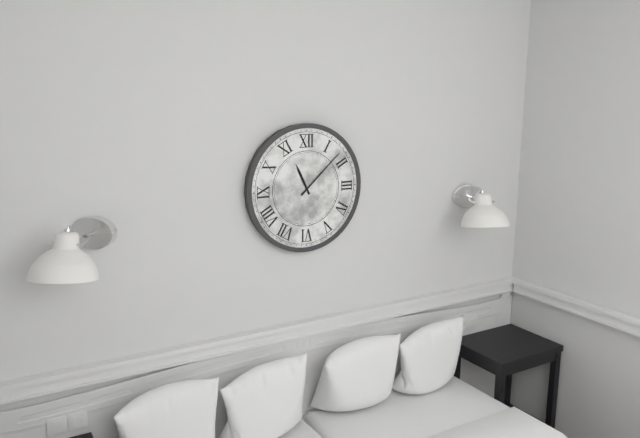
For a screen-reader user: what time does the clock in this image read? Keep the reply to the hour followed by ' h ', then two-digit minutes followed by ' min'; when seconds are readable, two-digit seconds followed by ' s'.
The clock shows 11 h 08 min
